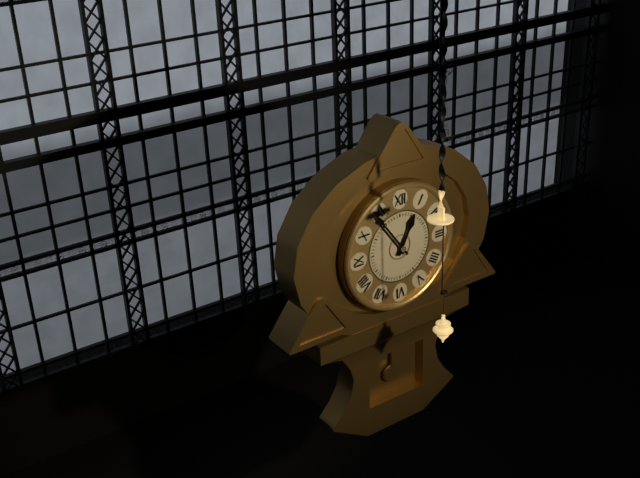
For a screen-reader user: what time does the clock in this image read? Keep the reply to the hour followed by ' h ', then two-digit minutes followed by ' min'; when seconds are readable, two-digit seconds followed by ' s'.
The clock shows 12 h 54 min
